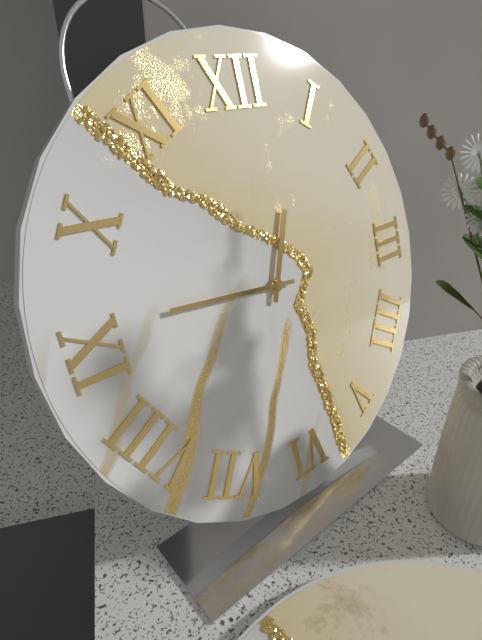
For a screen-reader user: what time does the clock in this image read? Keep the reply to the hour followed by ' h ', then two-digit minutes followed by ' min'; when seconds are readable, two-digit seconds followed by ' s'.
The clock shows 12 h 46 min
